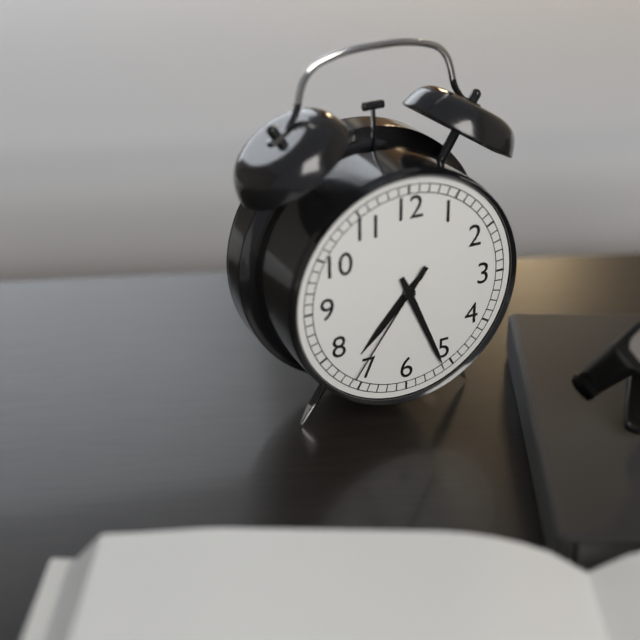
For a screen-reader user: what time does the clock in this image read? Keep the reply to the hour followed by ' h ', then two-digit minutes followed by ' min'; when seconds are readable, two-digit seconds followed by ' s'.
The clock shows 7 h 26 min 36 s
